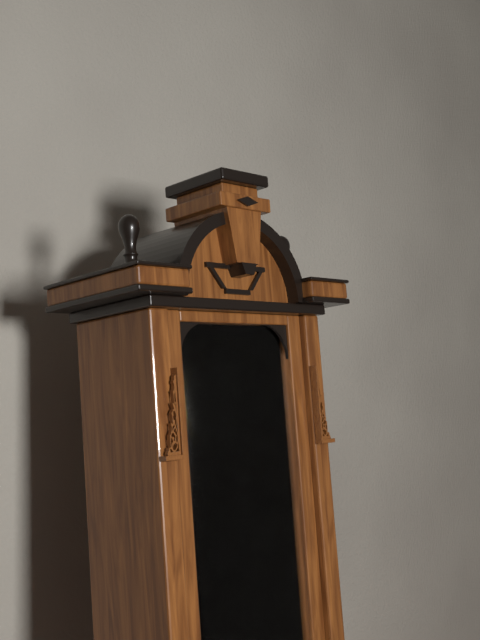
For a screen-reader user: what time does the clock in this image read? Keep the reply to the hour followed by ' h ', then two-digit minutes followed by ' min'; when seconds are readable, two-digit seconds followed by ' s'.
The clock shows 12 h 53 min
